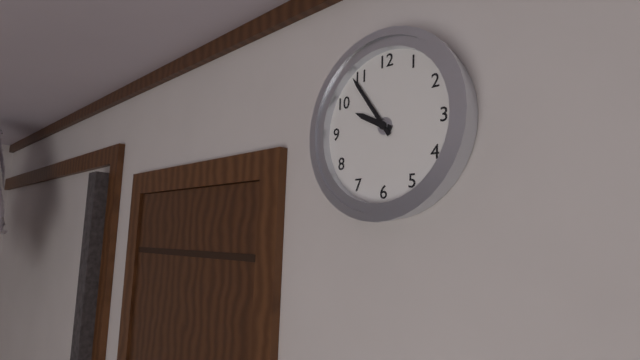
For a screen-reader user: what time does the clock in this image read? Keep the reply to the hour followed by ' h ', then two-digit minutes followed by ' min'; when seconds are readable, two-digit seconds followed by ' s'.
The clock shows 9 h 54 min
